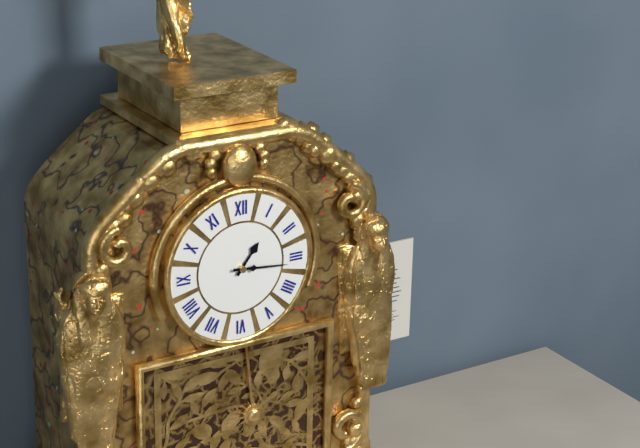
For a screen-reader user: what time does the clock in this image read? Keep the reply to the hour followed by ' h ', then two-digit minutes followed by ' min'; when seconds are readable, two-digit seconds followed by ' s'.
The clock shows 1 h 16 min
